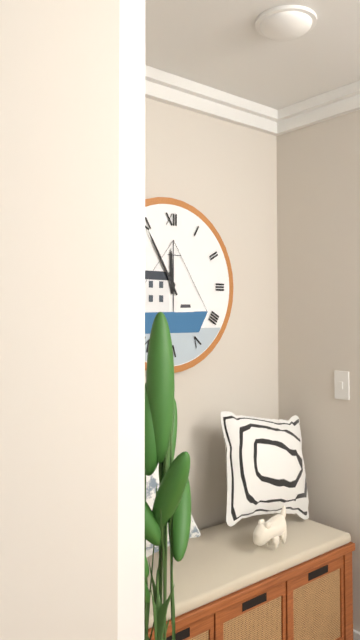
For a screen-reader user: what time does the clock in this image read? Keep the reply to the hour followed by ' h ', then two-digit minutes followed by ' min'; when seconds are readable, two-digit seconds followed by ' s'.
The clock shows 11 h 55 min
